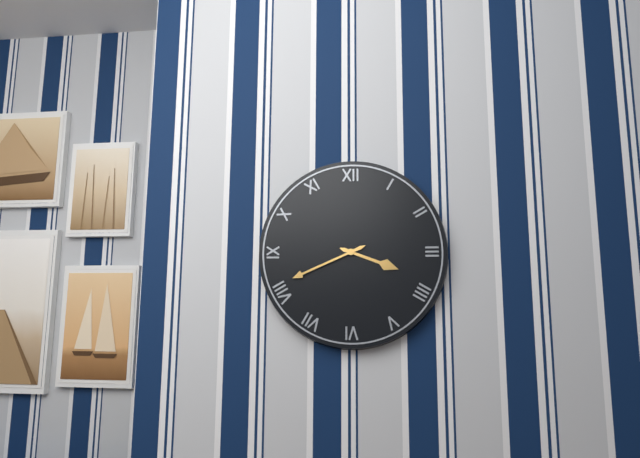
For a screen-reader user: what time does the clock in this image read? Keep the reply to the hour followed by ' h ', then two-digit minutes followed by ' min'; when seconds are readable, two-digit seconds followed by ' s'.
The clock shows 3 h 41 min
